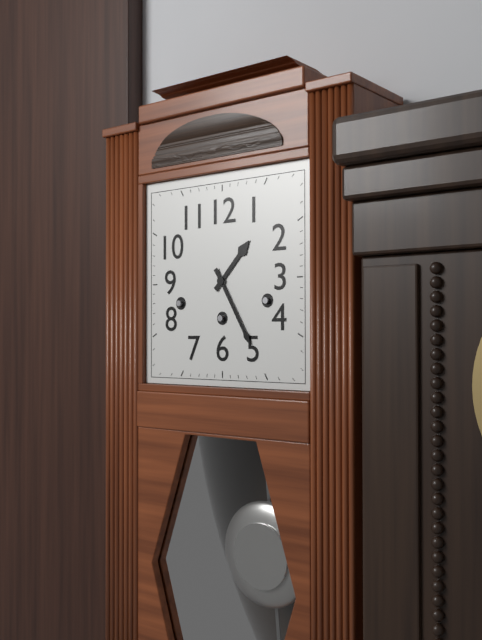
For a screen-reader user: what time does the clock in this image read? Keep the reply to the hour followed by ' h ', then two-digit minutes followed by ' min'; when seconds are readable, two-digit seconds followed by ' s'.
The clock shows 1 h 25 min
